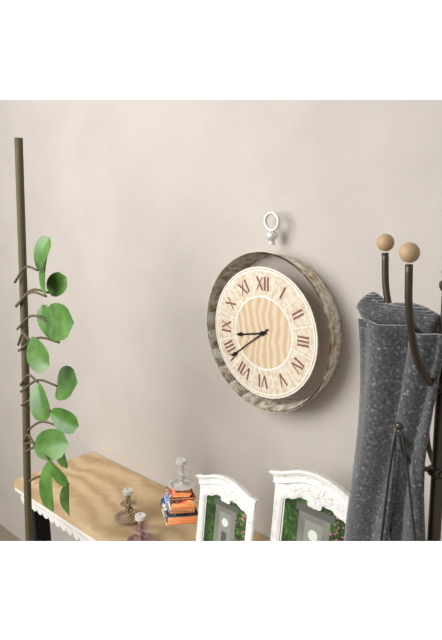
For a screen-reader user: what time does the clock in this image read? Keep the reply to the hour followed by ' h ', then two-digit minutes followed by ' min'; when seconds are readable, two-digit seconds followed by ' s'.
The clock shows 8 h 39 min
